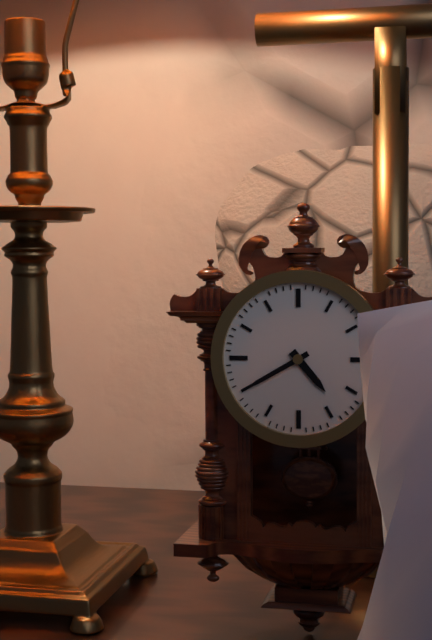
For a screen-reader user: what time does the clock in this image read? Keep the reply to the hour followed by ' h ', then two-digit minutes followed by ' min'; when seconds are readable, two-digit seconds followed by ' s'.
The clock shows 4 h 40 min
